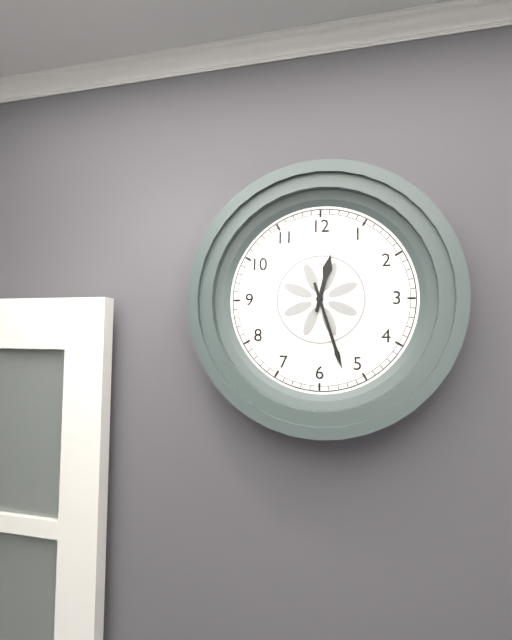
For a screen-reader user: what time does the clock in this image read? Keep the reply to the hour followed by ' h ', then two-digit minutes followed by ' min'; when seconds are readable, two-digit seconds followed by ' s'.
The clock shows 12 h 27 min
